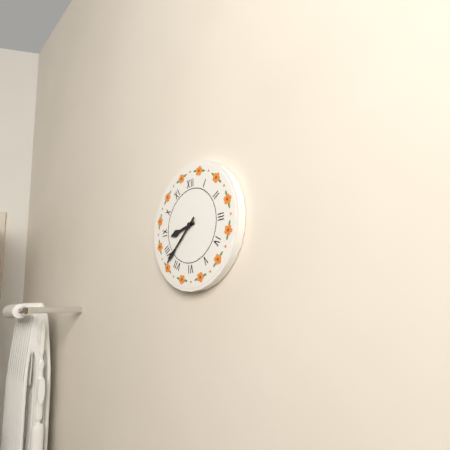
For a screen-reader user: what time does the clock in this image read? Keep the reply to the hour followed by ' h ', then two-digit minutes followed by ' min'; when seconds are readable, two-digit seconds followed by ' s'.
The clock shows 8 h 38 min
